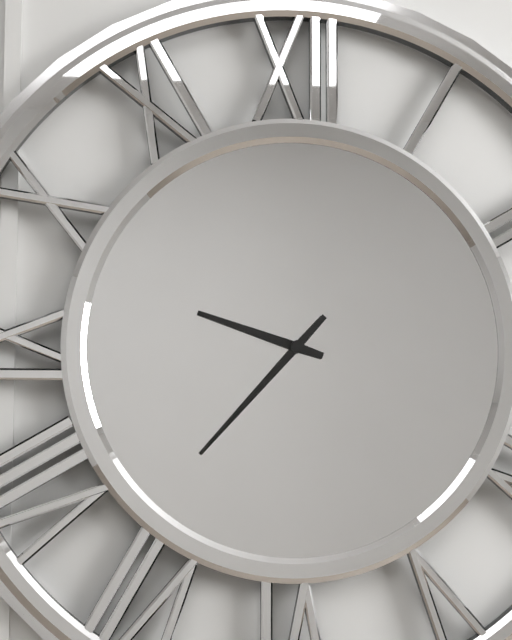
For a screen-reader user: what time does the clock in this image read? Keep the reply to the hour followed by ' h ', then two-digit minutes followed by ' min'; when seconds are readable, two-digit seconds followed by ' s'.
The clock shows 9 h 37 min
